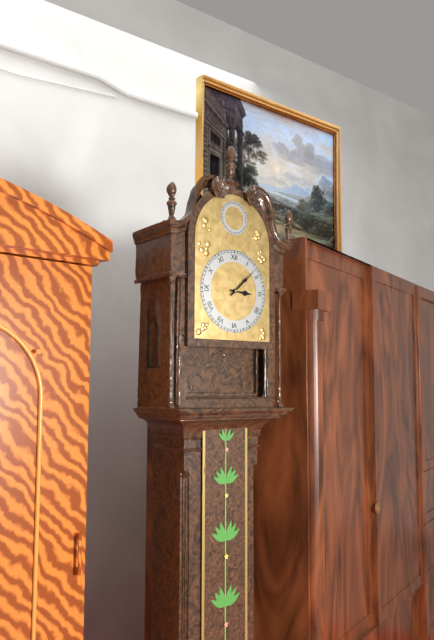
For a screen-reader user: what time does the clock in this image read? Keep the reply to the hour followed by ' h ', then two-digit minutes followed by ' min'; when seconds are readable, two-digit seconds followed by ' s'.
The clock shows 3 h 08 min
